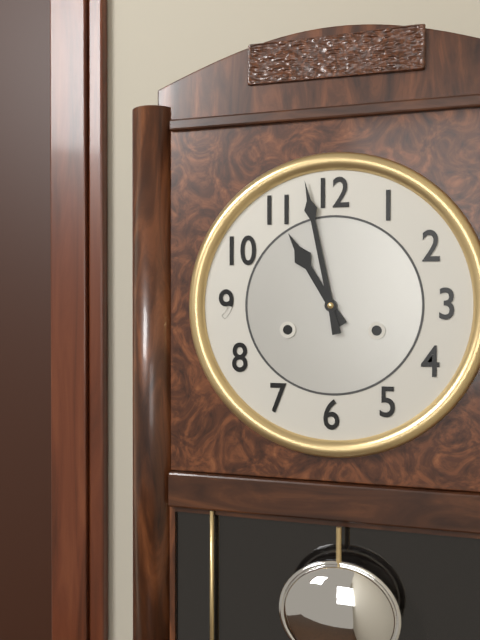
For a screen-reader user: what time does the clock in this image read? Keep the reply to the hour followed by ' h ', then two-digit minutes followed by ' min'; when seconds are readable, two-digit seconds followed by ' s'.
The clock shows 10 h 58 min
